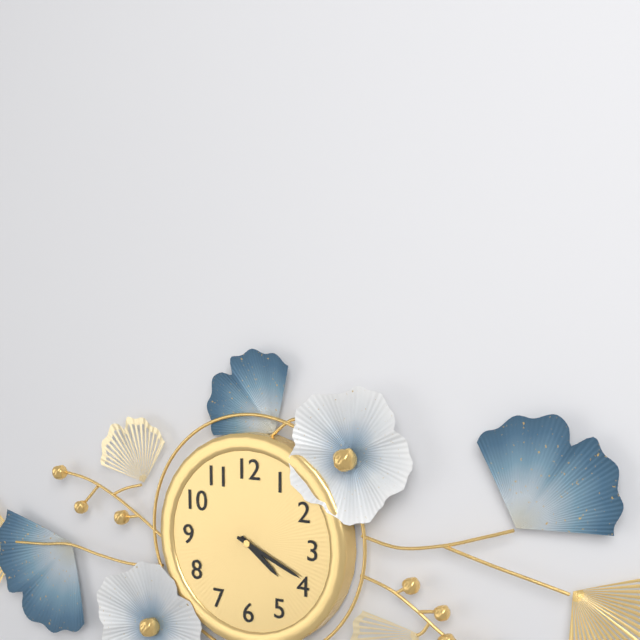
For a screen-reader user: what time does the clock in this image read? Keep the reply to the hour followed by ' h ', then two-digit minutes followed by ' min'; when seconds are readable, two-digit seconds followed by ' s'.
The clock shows 4 h 19 min
